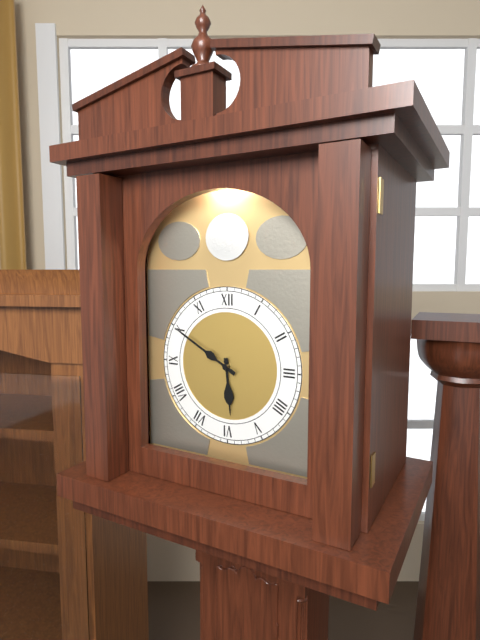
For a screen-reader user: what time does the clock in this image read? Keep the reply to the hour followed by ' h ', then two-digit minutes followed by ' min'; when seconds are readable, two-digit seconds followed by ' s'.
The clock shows 5 h 50 min
